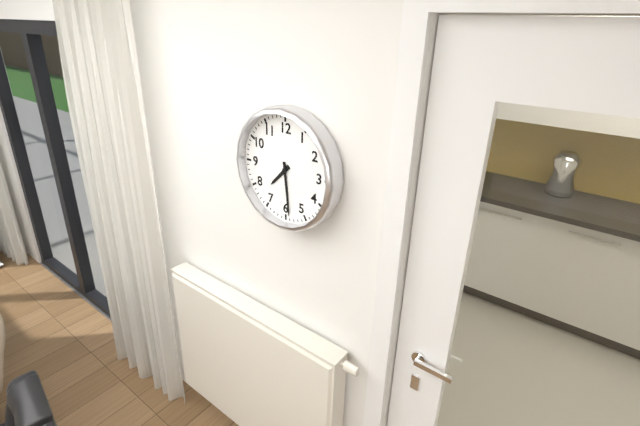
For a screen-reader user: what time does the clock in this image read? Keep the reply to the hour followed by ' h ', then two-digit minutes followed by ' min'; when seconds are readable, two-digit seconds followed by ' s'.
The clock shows 7 h 29 min
